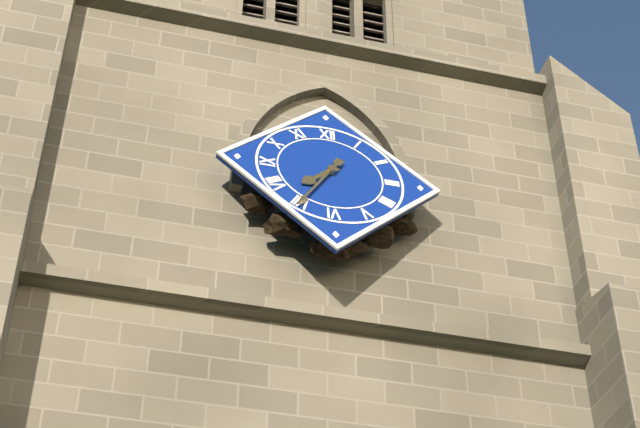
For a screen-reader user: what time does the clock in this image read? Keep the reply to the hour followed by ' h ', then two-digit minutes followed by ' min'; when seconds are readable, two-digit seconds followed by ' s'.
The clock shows 7 h 35 min
